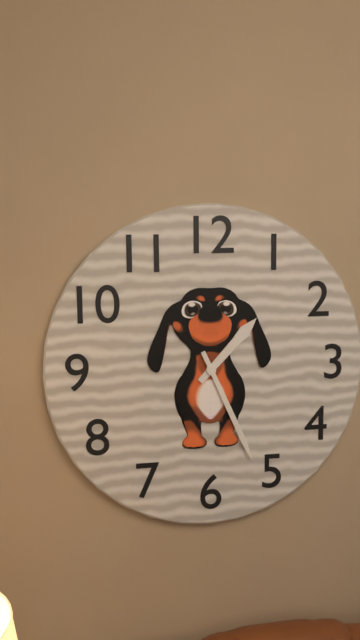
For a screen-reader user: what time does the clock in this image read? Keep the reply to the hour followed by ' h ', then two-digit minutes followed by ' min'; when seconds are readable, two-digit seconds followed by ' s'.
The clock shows 1 h 26 min
